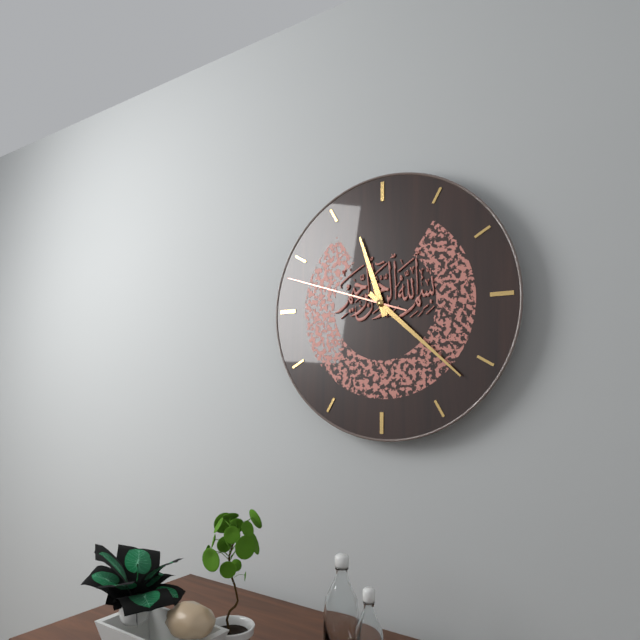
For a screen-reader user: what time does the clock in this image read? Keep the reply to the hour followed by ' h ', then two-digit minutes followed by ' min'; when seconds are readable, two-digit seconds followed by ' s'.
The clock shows 11 h 22 min 48 s
